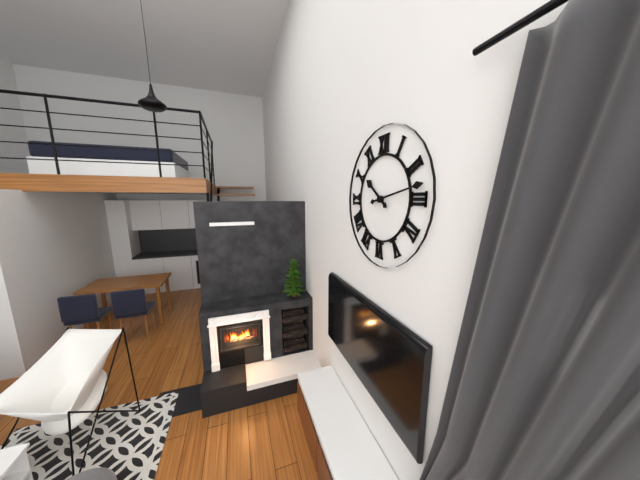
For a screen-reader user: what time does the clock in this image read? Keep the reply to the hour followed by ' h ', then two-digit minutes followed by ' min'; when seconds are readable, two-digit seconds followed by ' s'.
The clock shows 10 h 13 min
